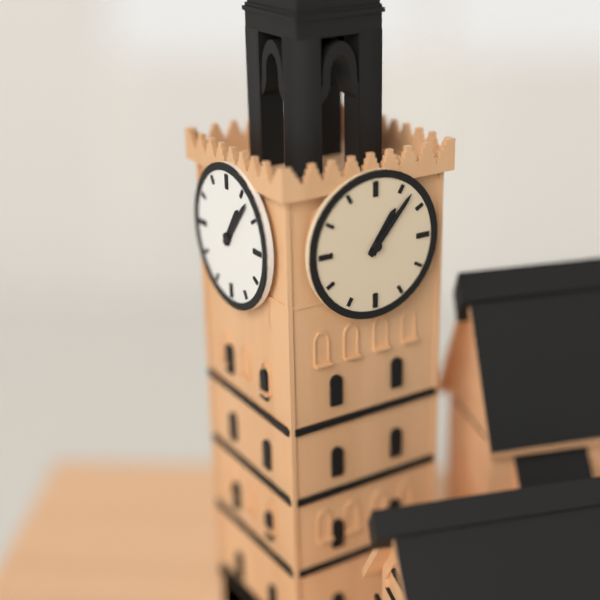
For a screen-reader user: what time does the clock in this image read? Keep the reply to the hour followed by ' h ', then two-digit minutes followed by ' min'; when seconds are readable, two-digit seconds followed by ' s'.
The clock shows 1 h 07 min
